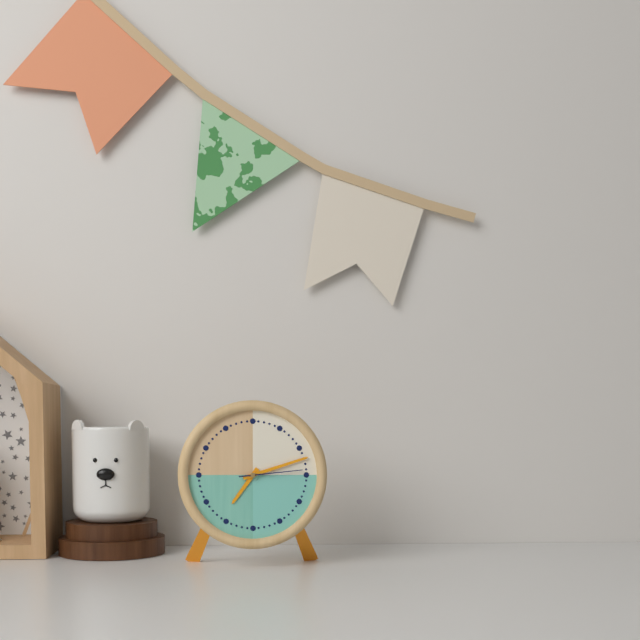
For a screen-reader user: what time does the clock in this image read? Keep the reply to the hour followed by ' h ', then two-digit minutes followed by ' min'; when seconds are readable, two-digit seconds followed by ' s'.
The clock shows 7 h 12 min 14 s
